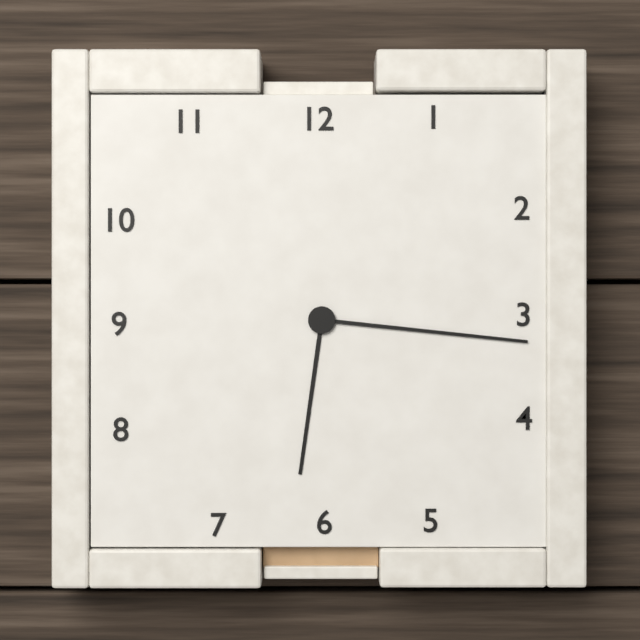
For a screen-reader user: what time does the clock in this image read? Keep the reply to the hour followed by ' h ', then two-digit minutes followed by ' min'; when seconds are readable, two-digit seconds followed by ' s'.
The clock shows 6 h 16 min
